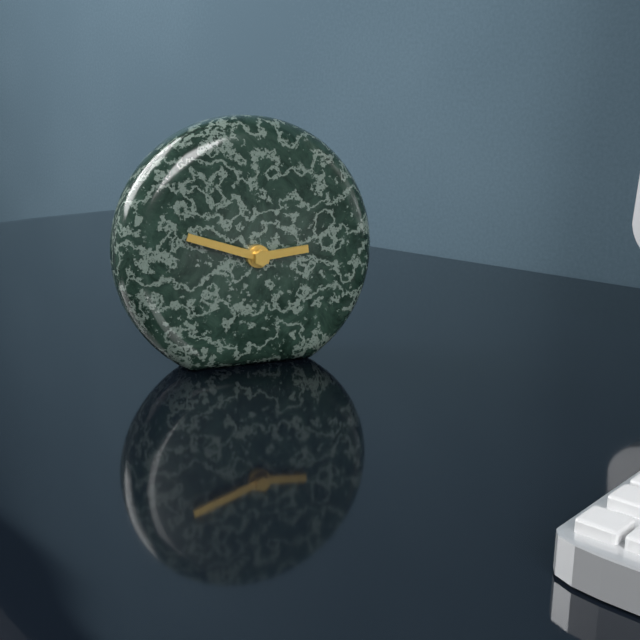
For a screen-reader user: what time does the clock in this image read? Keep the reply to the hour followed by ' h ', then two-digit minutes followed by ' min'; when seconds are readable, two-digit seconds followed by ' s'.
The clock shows 2 h 48 min
